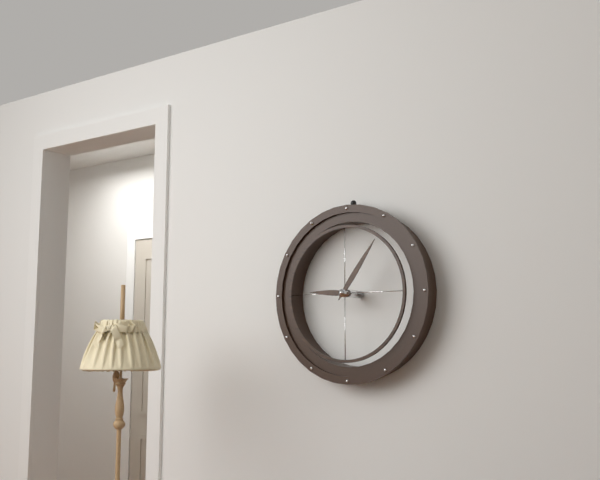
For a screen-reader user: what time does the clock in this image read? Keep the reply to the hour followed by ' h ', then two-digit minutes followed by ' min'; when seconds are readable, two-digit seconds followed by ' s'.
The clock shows 9 h 06 min
